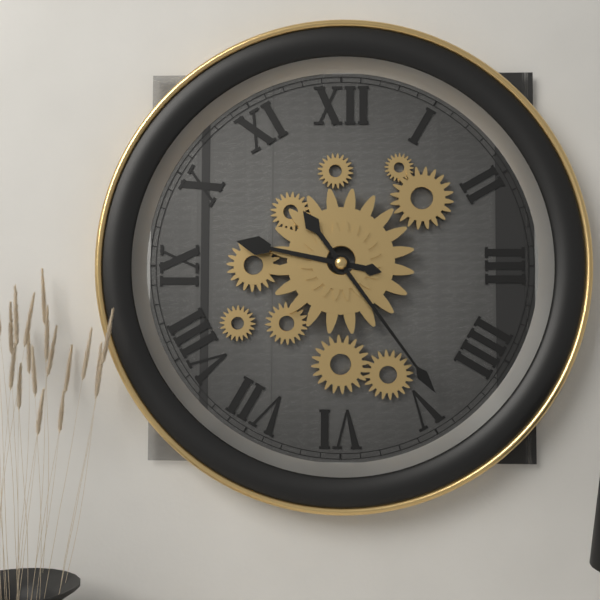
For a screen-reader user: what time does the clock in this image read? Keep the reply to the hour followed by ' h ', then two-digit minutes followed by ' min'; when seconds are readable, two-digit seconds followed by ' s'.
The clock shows 9 h 24 min
